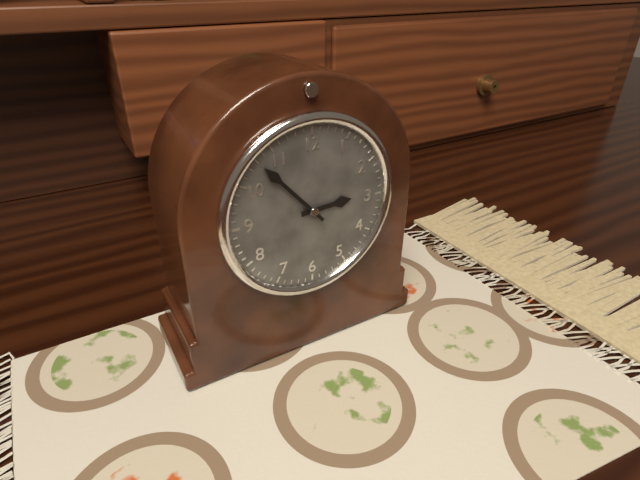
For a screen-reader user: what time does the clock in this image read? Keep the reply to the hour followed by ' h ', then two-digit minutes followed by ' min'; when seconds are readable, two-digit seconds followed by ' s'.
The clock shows 2 h 53 min
